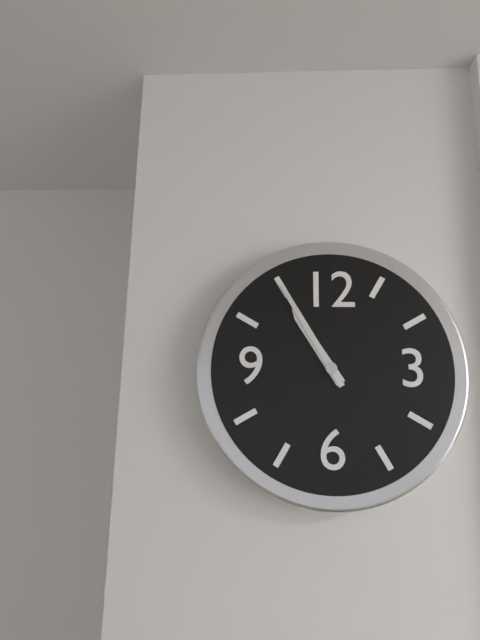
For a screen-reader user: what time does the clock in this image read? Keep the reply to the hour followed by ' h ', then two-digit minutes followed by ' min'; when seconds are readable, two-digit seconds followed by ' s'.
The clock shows 10 h 55 min
